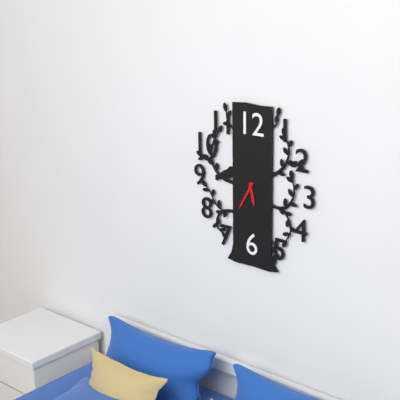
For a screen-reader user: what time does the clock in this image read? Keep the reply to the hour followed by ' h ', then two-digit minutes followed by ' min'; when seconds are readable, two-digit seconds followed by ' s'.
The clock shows 5 h 35 min
